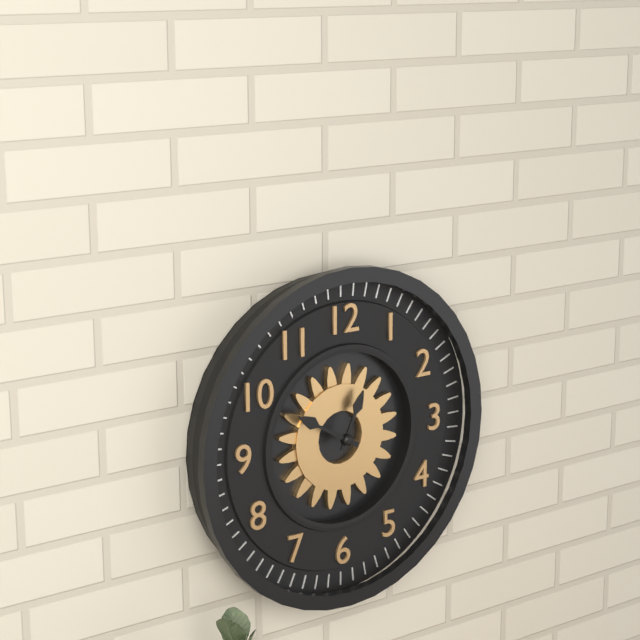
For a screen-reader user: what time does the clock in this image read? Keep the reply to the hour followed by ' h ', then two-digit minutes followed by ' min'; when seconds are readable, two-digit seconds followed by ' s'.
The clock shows 12 h 50 min
